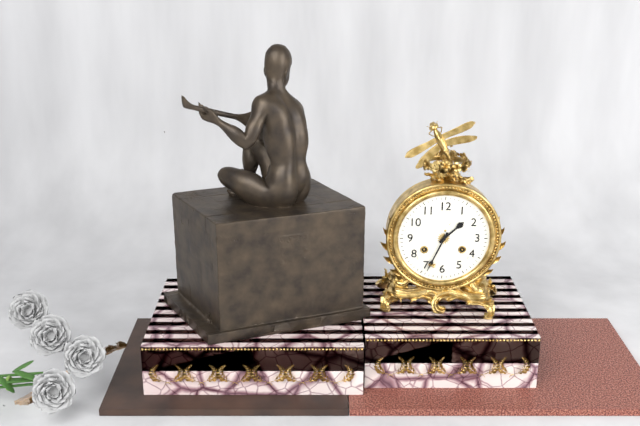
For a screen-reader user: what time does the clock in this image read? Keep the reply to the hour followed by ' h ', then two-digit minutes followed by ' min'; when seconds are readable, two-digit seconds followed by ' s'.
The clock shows 1 h 34 min
